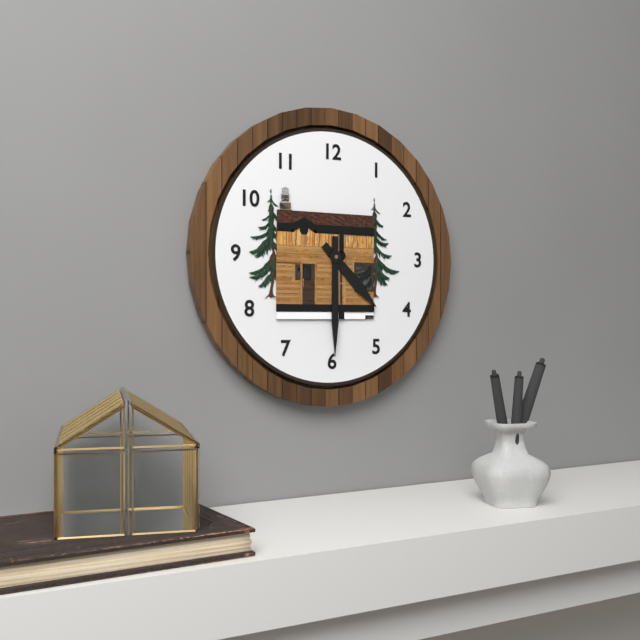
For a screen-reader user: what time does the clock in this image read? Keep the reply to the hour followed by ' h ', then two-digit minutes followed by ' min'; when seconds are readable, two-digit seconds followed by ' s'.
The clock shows 4 h 30 min
